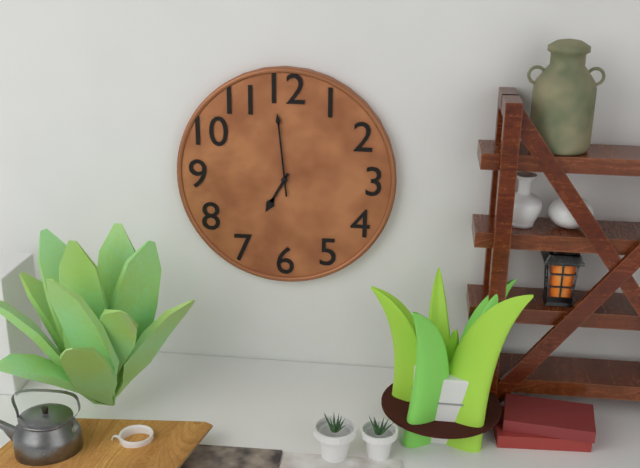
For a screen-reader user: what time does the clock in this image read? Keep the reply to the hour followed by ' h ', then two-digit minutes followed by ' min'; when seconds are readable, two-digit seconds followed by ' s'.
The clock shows 6 h 59 min
